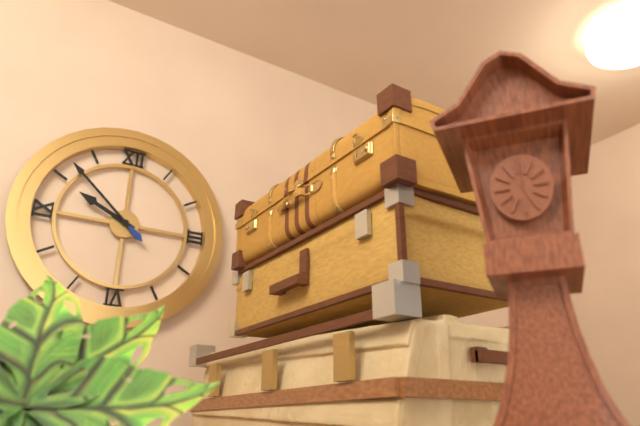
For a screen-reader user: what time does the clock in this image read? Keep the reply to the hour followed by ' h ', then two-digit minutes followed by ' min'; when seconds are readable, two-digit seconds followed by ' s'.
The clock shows 9 h 52 min
